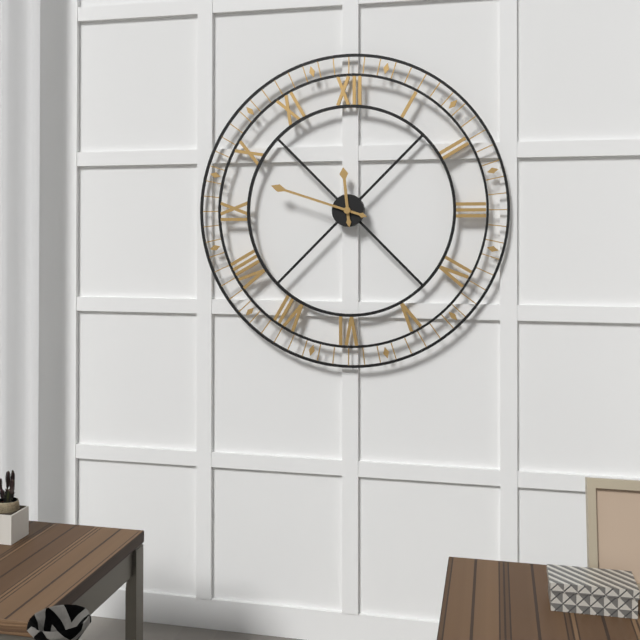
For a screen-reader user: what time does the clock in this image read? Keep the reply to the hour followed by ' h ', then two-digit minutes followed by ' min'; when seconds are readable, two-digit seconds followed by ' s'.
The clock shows 11 h 48 min
